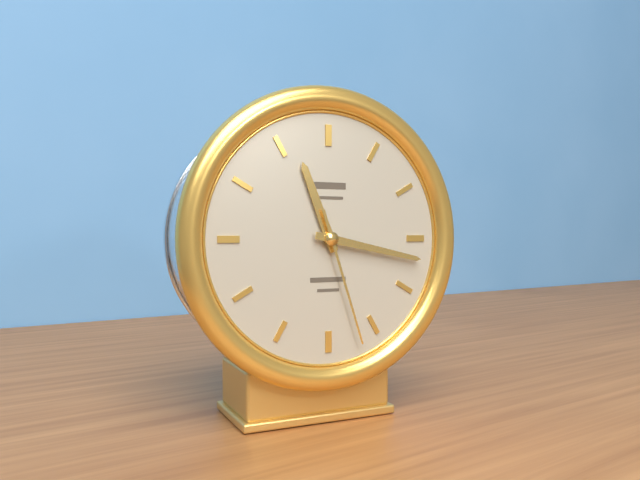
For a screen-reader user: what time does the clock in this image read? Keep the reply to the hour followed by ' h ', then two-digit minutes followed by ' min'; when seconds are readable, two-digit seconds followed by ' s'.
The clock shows 11 h 17 min 27 s
